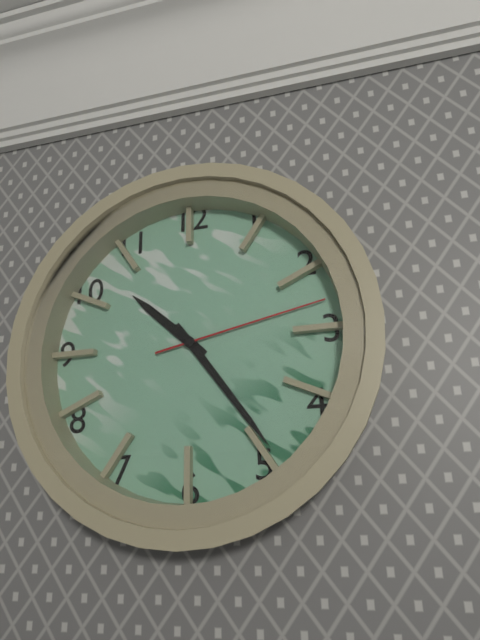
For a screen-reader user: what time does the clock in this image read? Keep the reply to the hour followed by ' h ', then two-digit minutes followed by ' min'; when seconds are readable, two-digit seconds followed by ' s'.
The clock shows 10 h 24 min 13 s
